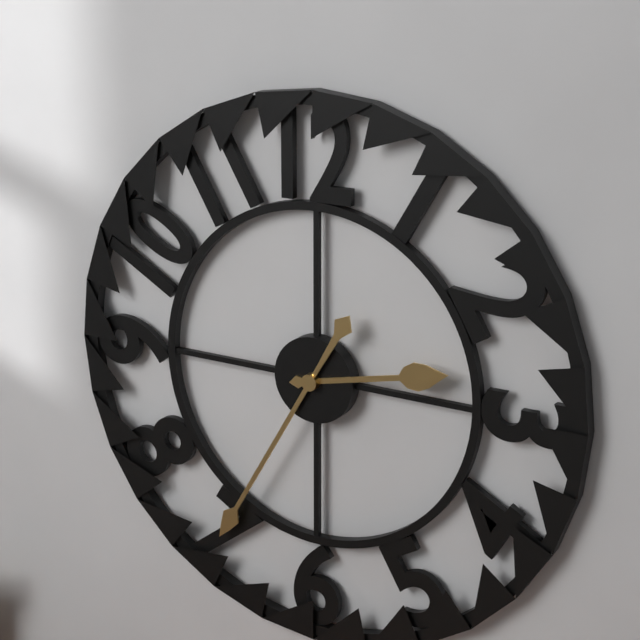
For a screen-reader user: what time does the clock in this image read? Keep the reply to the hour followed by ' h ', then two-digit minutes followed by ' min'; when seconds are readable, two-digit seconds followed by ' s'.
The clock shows 2 h 35 min
